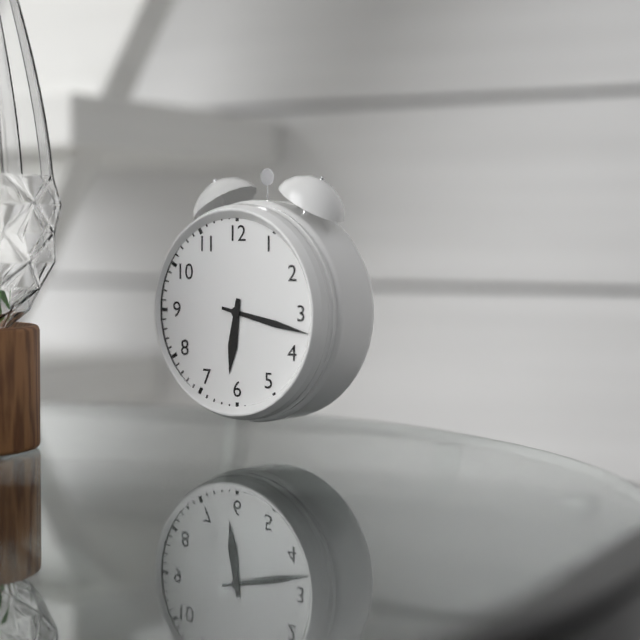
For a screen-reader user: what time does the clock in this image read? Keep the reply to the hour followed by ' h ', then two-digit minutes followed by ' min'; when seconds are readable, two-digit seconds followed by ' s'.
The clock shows 6 h 17 min
